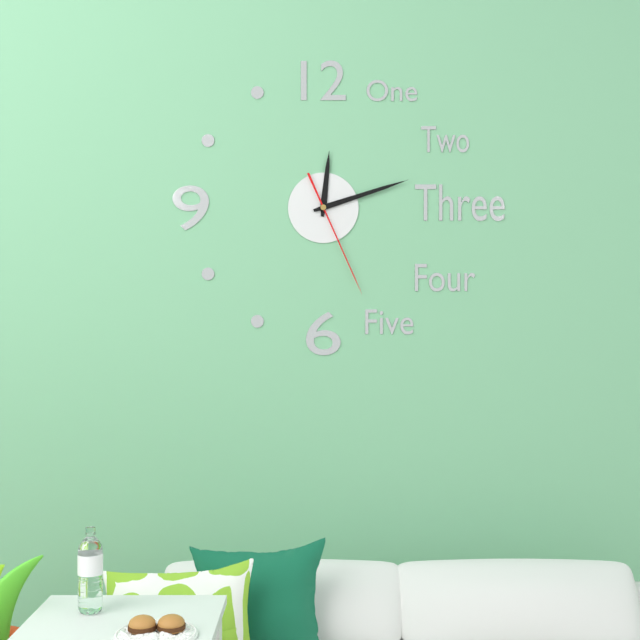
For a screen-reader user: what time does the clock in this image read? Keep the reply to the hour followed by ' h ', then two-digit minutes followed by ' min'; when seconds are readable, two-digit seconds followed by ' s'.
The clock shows 12 h 12 min 26 s
